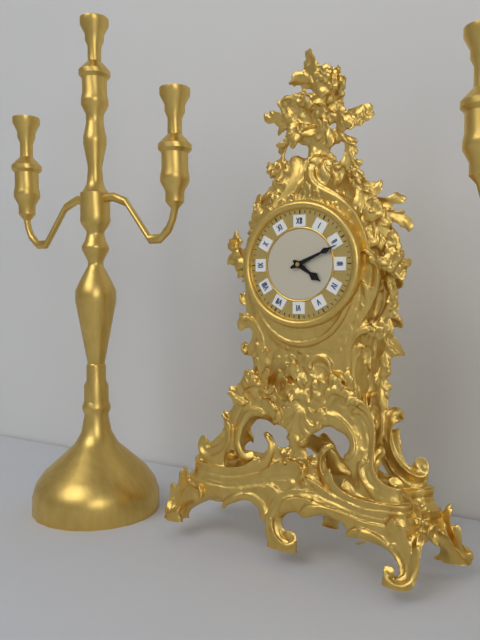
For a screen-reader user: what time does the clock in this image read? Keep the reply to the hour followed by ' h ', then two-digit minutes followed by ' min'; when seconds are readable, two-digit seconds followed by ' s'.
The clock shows 4 h 11 min
